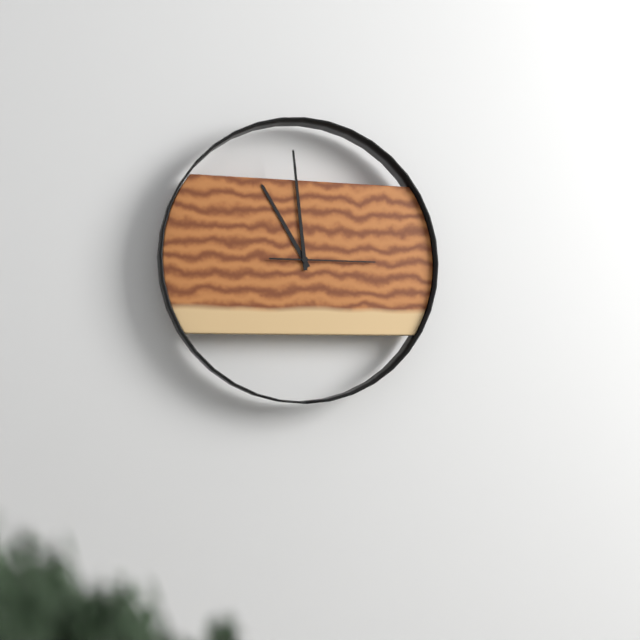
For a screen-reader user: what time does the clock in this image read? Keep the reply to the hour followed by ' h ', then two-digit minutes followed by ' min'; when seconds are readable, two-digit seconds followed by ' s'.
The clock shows 10 h 59 min 15 s
